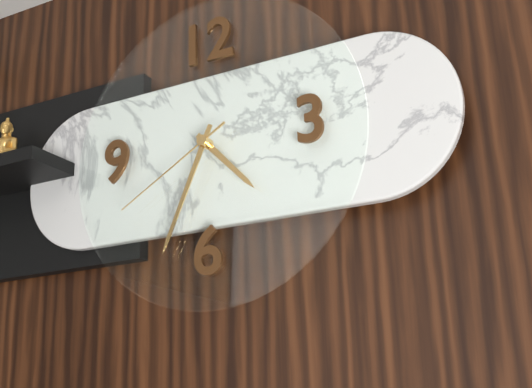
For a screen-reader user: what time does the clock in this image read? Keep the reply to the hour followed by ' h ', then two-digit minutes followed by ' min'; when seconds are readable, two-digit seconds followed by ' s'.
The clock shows 4 h 34 min 40 s
